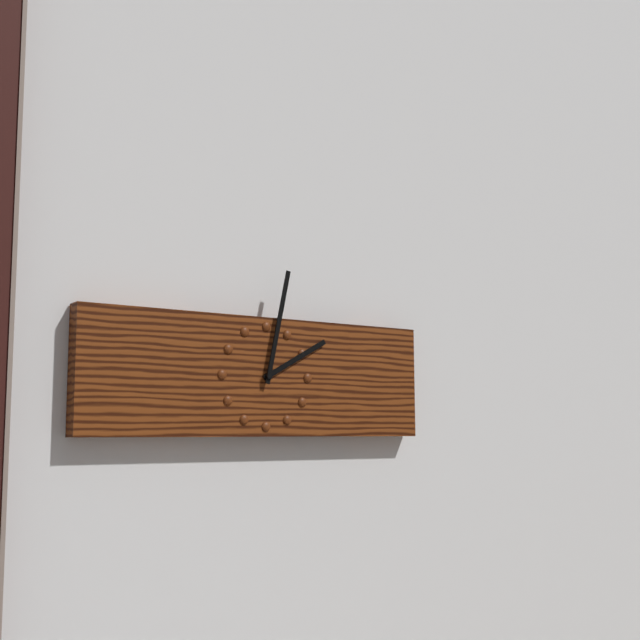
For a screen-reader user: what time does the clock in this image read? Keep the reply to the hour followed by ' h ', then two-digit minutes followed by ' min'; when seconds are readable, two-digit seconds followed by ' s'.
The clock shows 2 h 02 min
